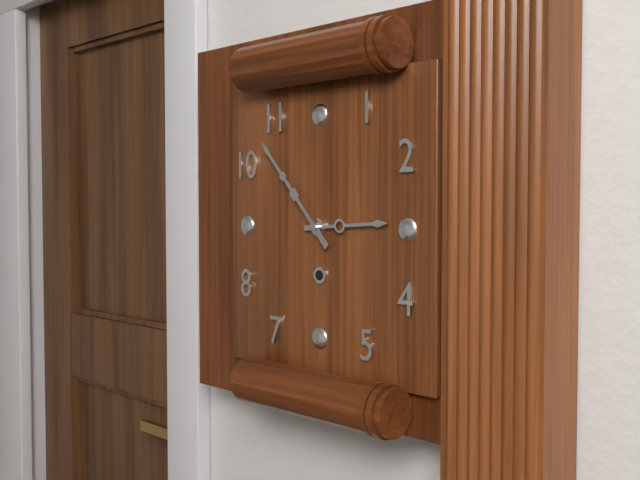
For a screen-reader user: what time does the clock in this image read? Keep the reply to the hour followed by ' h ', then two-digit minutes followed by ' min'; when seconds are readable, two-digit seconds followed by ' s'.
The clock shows 2 h 53 min
